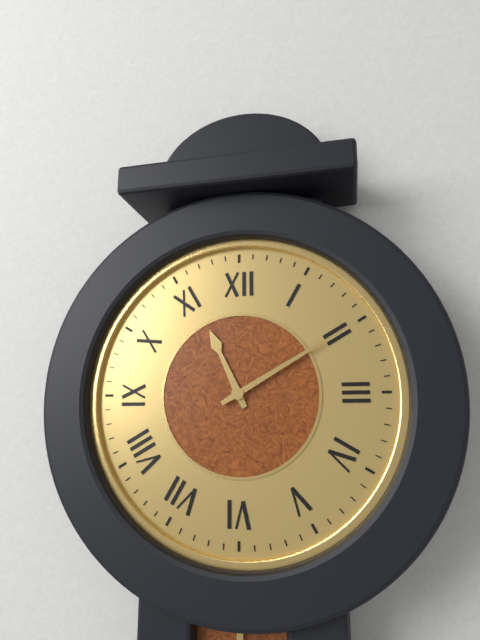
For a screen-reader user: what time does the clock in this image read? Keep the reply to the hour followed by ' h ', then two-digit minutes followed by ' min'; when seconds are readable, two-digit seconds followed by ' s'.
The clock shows 11 h 10 min
